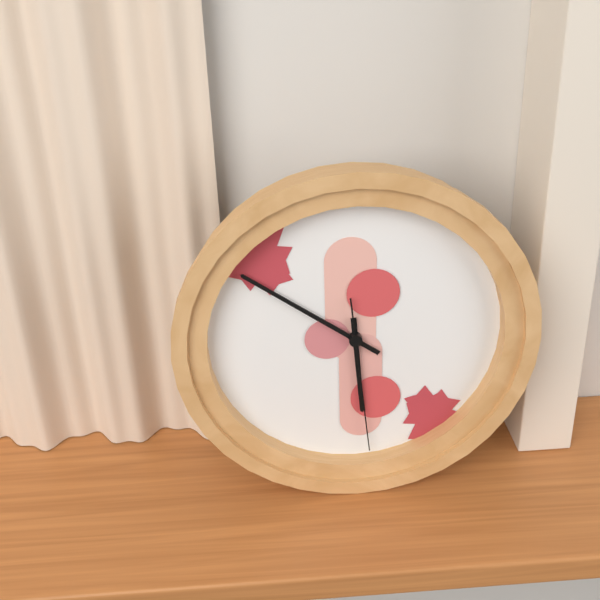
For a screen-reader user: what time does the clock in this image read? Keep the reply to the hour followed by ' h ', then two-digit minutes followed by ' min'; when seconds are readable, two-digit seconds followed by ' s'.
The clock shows 5 h 51 min 29 s
